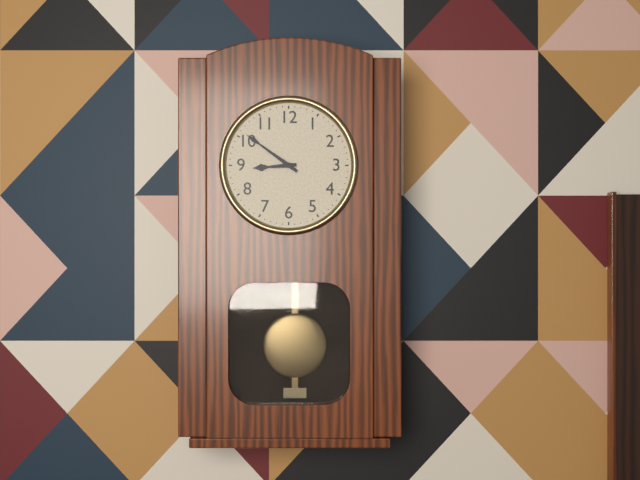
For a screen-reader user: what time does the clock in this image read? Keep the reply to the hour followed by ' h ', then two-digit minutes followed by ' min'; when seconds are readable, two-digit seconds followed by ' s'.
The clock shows 8 h 51 min
